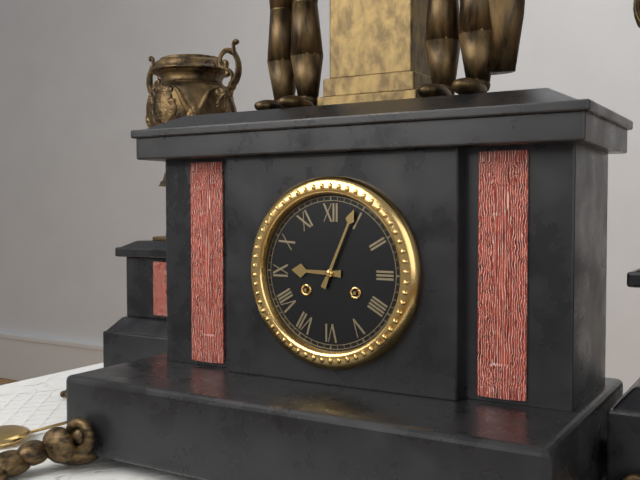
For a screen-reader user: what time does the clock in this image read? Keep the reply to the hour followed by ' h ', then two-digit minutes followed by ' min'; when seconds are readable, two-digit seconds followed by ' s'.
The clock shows 9 h 04 min
